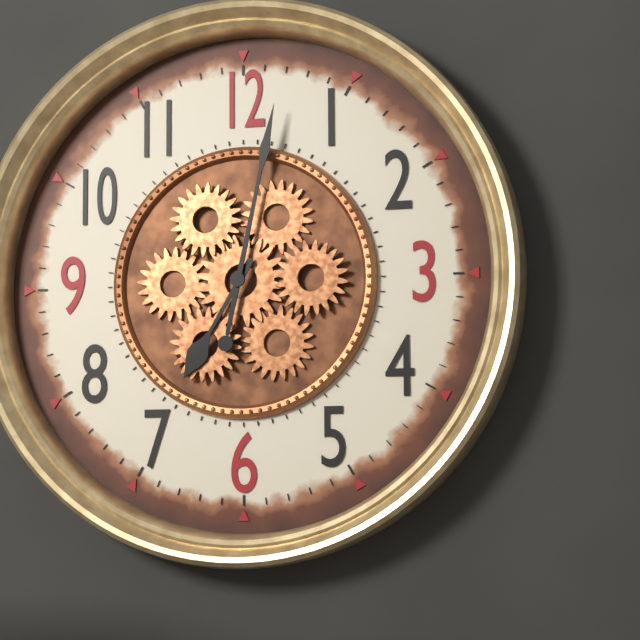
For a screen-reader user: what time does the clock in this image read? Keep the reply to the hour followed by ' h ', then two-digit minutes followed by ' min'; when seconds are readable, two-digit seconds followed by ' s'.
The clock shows 7 h 02 min
